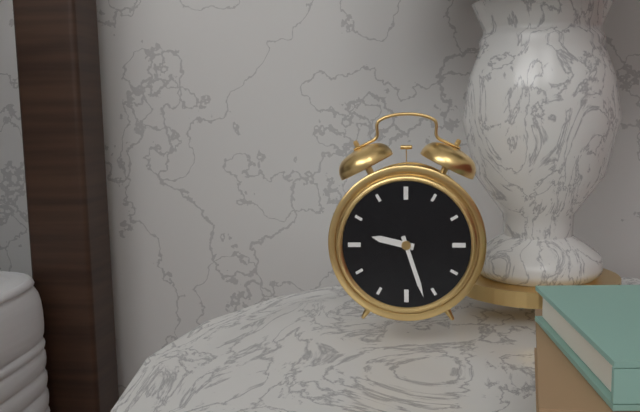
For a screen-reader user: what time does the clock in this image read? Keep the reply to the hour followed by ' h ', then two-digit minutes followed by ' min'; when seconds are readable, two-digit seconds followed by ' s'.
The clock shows 9 h 27 min
